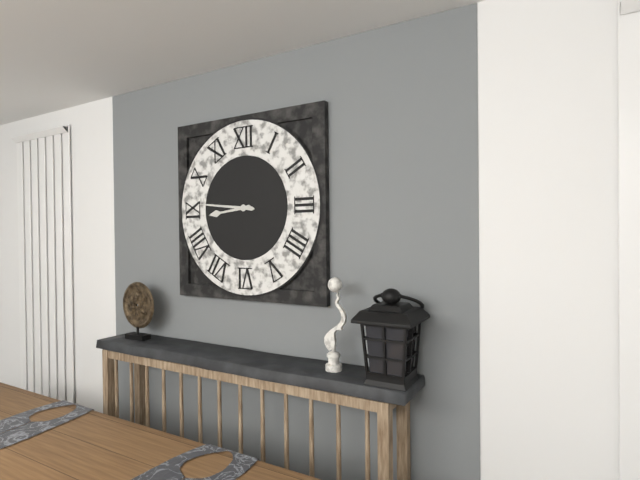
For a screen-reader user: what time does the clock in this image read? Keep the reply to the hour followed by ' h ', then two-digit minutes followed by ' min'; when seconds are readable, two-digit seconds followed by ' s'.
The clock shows 8 h 46 min
